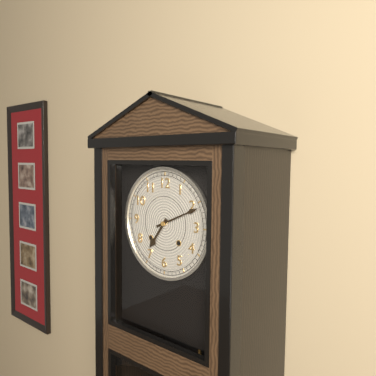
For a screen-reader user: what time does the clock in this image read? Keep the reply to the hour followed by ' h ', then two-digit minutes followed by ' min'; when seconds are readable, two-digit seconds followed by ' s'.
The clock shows 7 h 11 min
